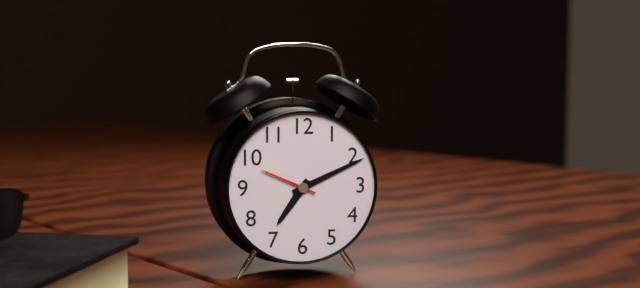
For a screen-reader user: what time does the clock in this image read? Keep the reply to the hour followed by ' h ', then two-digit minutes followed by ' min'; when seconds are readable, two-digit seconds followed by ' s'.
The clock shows 7 h 11 min 49 s
